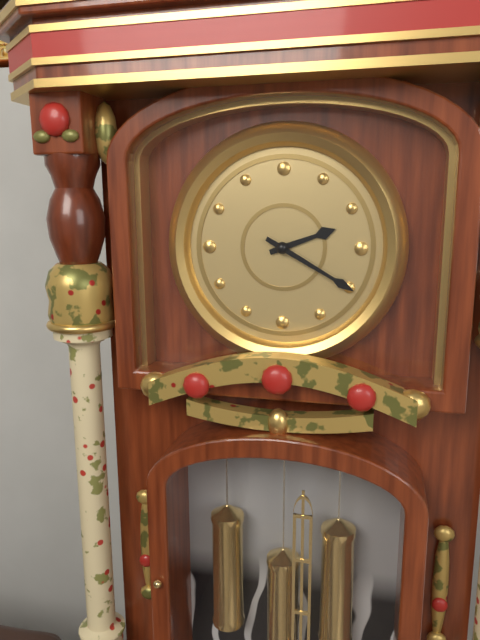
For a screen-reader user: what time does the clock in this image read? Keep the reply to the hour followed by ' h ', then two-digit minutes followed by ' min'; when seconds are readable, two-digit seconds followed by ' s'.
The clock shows 2 h 20 min
